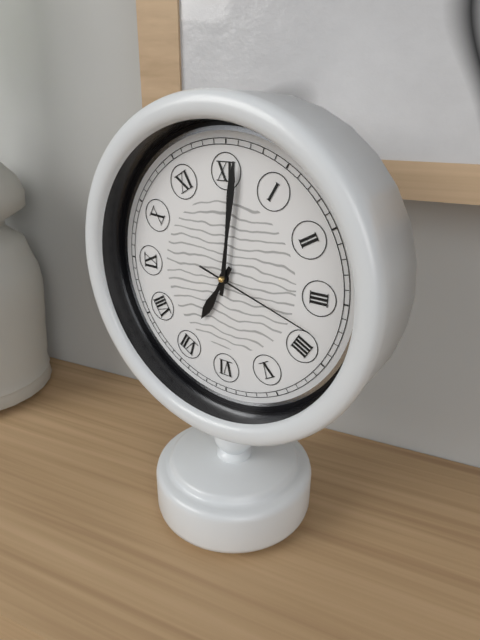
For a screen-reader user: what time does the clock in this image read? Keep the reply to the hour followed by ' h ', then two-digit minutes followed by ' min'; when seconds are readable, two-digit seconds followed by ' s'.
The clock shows 7 h 01 min 18 s
